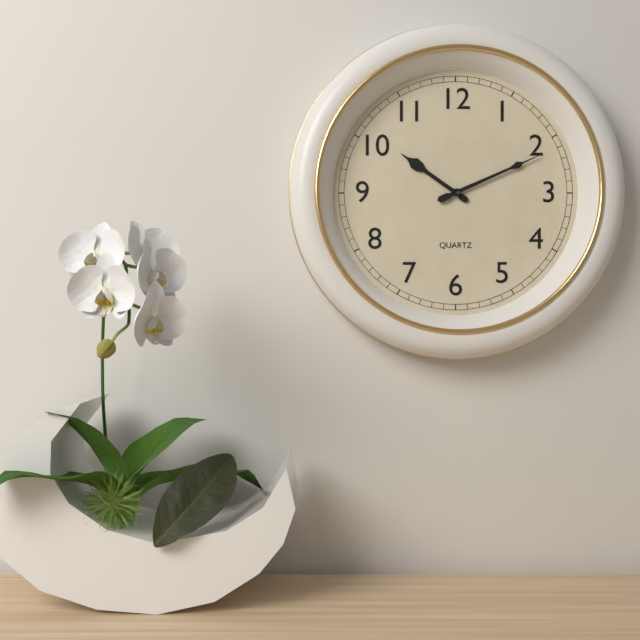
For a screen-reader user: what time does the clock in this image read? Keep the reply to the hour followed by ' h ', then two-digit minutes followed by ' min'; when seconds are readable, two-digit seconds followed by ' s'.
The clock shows 10 h 11 min
